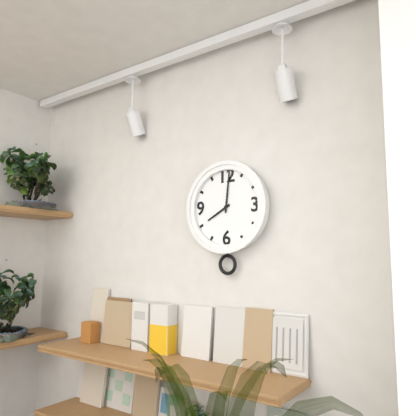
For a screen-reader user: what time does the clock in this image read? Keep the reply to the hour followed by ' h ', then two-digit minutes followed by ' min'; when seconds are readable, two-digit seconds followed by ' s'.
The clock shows 8 h 01 min
